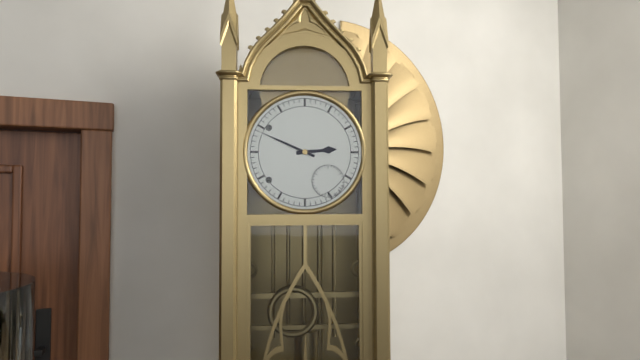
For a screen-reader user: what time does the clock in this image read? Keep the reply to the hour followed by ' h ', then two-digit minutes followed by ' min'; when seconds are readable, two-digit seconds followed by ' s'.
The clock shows 2 h 49 min
